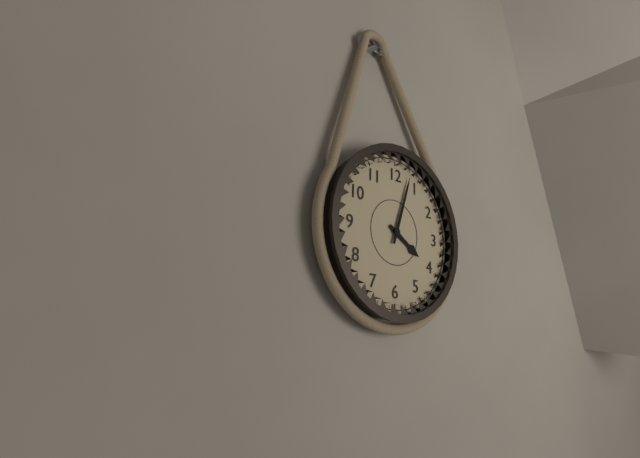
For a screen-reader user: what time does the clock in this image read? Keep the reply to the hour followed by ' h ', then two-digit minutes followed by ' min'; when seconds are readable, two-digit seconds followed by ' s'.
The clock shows 4 h 03 min
